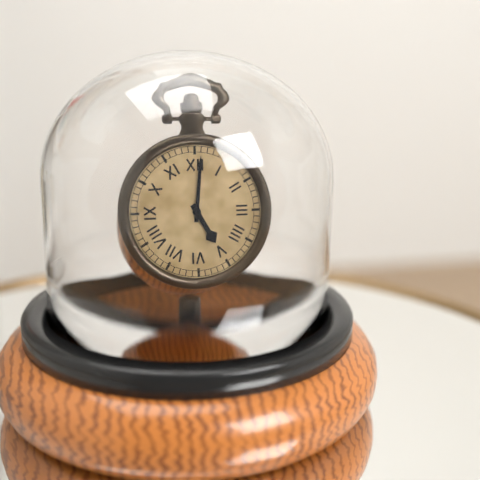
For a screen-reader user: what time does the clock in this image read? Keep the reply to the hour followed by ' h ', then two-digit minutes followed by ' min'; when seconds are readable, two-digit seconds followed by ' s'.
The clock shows 5 h 01 min
